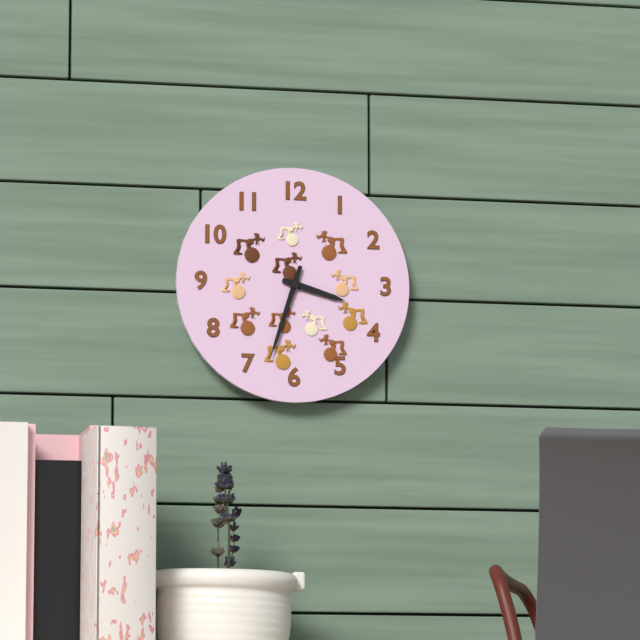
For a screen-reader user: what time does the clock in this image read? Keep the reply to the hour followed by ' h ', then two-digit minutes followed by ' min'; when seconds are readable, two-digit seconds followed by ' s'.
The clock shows 3 h 33 min
